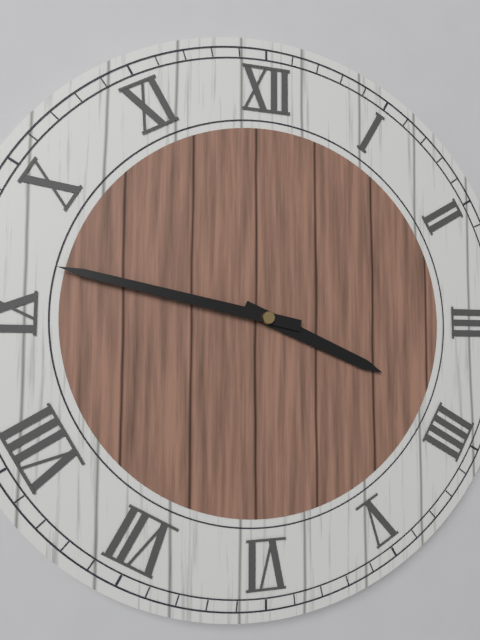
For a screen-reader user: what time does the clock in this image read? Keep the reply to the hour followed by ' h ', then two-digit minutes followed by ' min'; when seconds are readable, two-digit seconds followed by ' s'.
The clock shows 3 h 47 min
